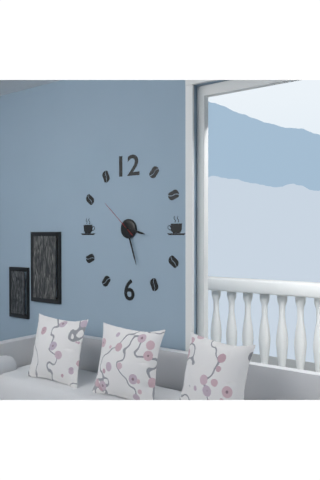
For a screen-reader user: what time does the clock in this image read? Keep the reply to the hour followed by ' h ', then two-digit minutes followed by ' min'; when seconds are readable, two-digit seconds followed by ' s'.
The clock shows 3 h 27 min
